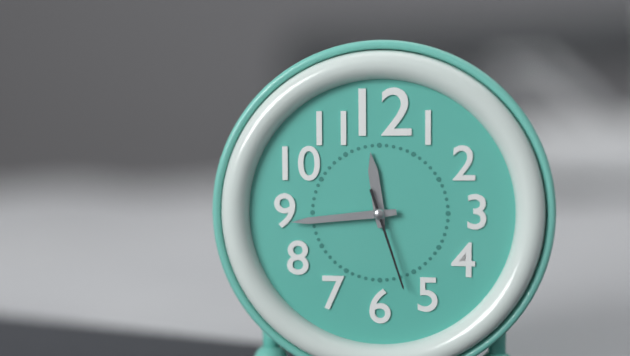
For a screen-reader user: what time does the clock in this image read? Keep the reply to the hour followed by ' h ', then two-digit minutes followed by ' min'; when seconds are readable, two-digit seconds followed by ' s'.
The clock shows 11 h 44 min 27 s
